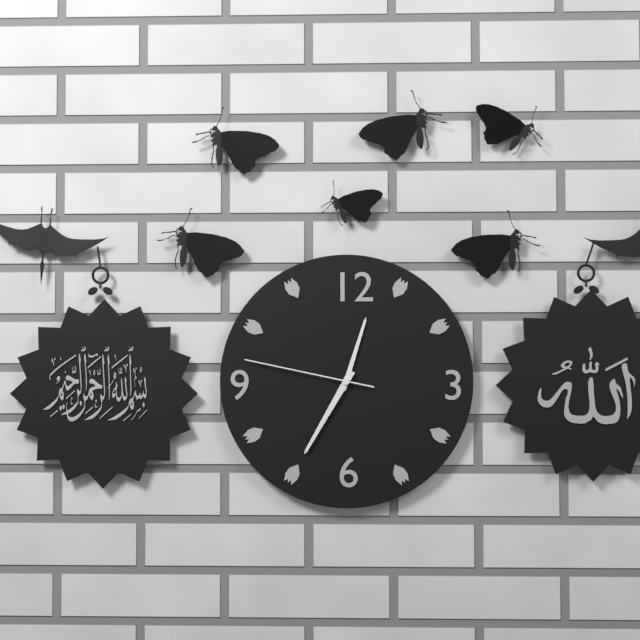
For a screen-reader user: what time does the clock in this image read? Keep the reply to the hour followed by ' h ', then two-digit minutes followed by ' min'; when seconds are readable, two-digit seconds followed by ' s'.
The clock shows 12 h 35 min 47 s
